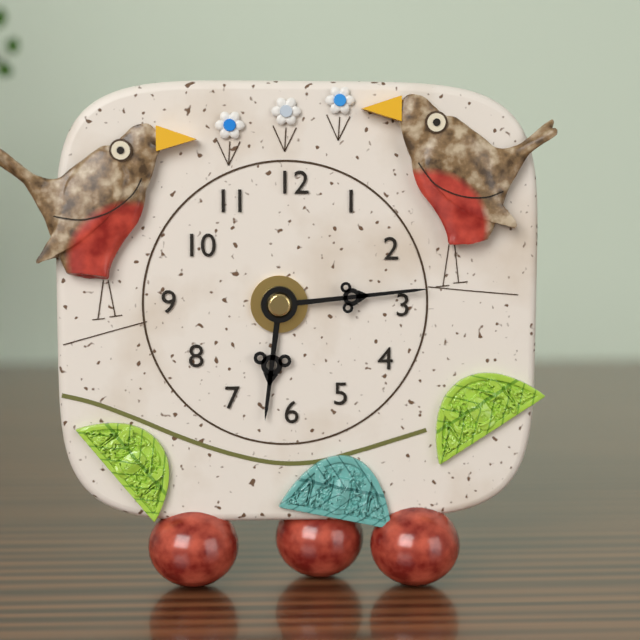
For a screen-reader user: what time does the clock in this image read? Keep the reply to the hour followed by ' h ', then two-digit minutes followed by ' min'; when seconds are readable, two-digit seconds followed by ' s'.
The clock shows 6 h 14 min
